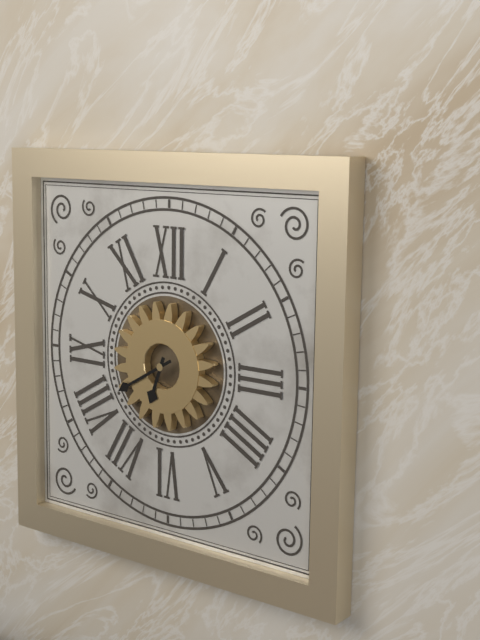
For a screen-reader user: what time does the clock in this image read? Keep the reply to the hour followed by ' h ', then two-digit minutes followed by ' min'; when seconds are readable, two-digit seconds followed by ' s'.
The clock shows 6 h 40 min
